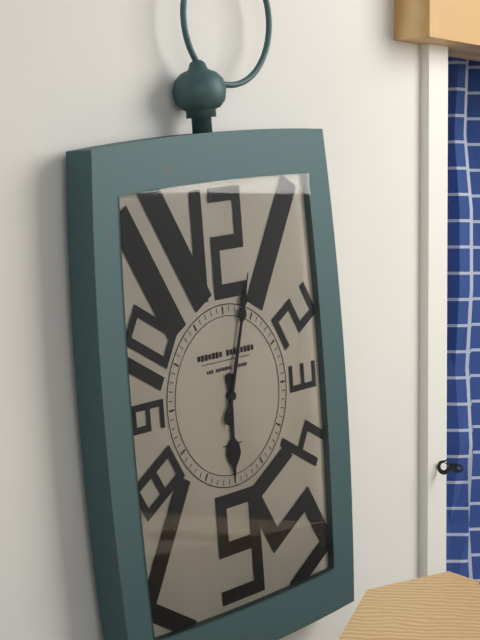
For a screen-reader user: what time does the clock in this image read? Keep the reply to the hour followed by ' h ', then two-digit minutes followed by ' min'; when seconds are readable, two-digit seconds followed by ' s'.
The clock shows 6 h 03 min
